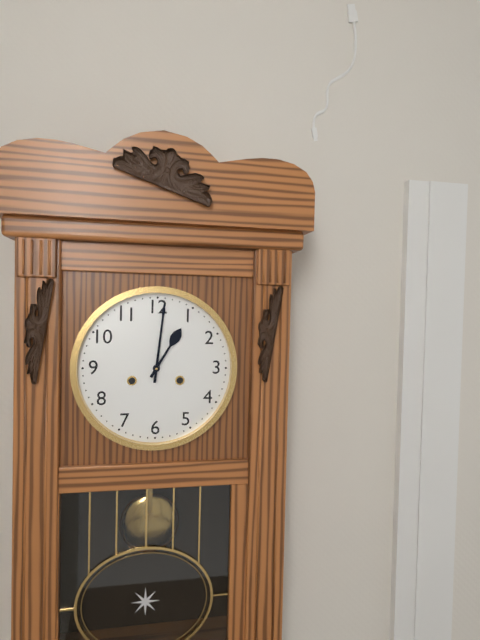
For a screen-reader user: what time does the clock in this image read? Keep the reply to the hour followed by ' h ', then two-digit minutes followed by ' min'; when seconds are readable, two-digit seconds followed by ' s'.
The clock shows 1 h 01 min
